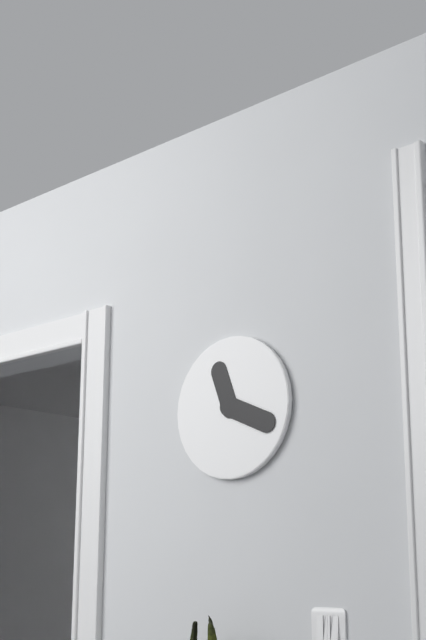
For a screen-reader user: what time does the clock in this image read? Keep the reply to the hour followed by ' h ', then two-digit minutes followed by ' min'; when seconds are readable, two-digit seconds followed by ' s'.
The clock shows 11 h 19 min
